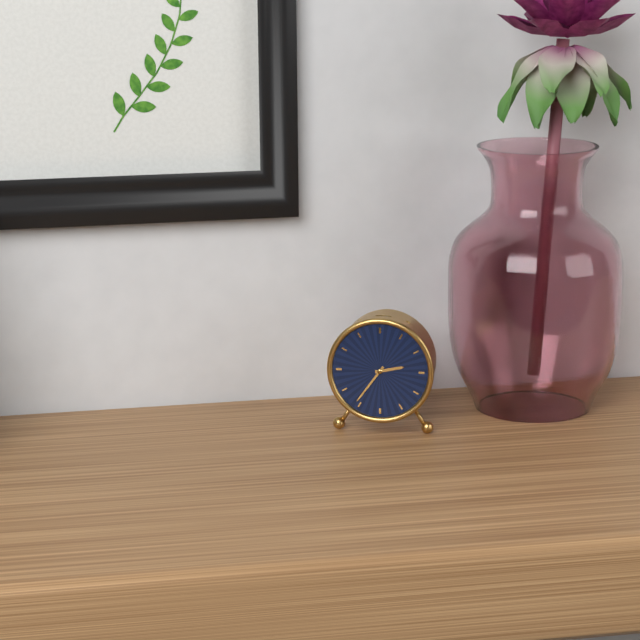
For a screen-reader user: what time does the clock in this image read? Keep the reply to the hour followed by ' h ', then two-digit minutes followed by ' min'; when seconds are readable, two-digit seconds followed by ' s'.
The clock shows 2 h 36 min
